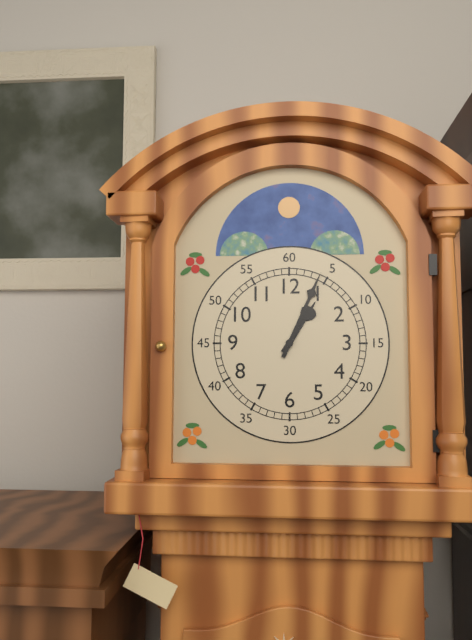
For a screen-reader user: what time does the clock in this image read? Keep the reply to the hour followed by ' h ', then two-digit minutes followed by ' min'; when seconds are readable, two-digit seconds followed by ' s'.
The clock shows 1 h 04 min
